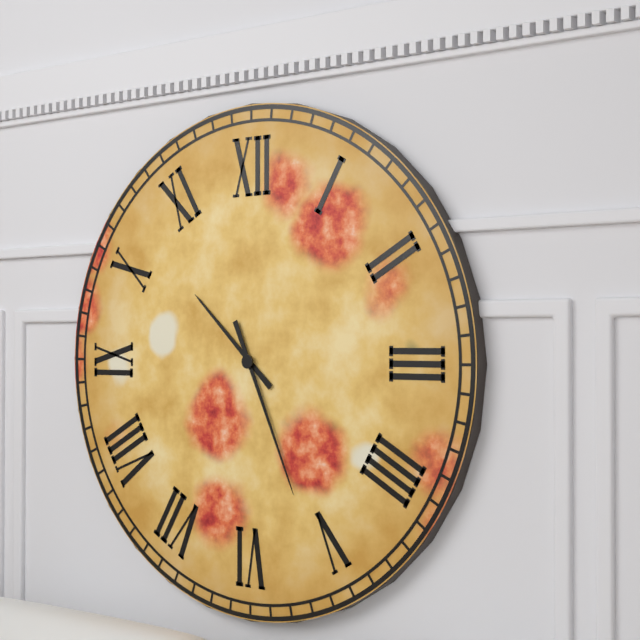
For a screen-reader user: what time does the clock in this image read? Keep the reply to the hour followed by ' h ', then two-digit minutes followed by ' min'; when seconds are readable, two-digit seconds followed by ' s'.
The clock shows 10 h 26 min
